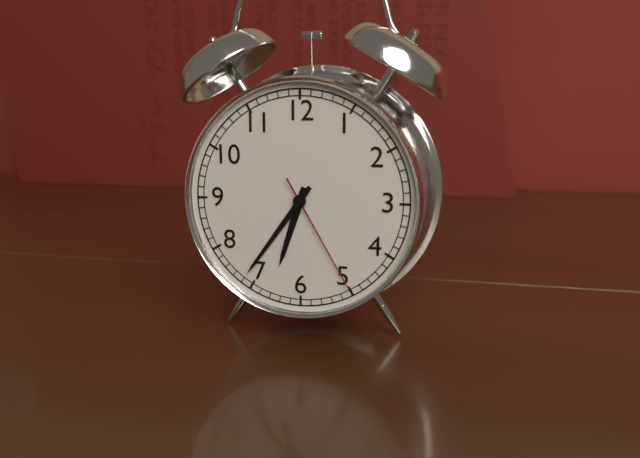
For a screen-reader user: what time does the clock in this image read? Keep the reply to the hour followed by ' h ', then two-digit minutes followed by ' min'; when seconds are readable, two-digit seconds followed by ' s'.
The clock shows 6 h 36 min 25 s
